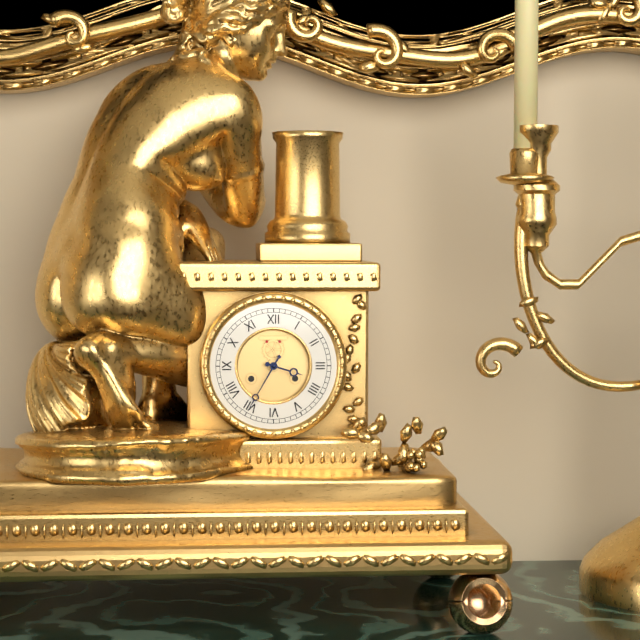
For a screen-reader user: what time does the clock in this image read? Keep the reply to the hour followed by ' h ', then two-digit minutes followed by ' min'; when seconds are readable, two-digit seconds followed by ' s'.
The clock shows 3 h 35 min
